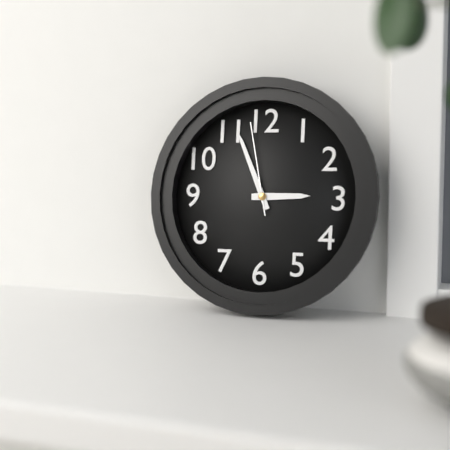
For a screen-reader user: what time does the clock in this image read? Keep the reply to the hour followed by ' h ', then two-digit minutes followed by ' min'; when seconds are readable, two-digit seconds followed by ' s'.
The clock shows 2 h 56 min 58 s
